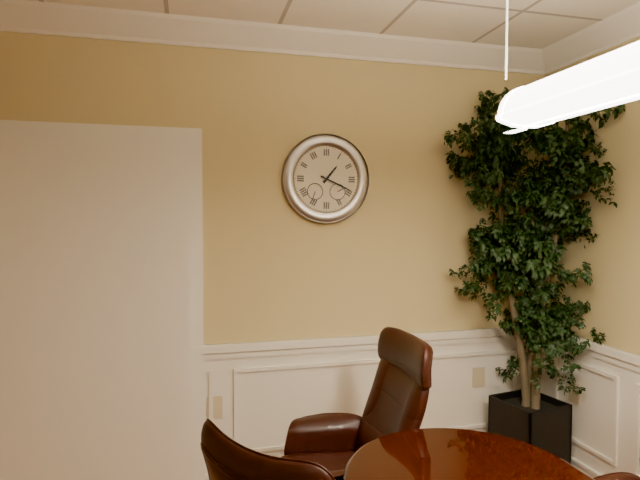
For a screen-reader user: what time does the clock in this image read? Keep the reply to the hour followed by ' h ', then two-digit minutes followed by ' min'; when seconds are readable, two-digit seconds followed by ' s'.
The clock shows 1 h 19 min
